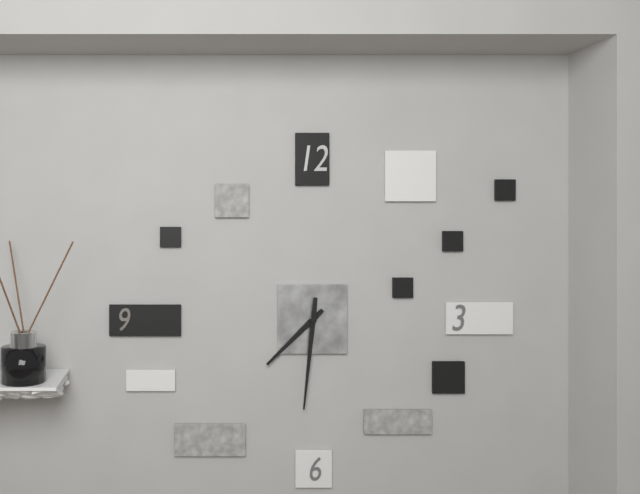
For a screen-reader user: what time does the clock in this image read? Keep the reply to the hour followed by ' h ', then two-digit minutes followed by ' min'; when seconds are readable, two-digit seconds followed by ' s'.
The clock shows 7 h 31 min
